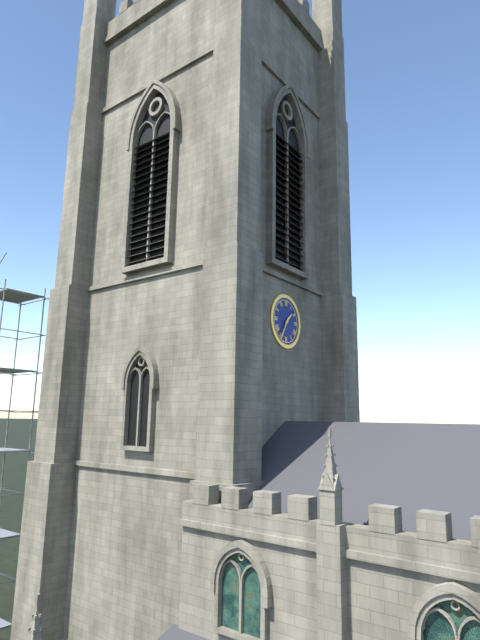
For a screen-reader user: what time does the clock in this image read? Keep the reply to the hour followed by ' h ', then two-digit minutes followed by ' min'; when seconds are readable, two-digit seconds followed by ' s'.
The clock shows 1 h 35 min
